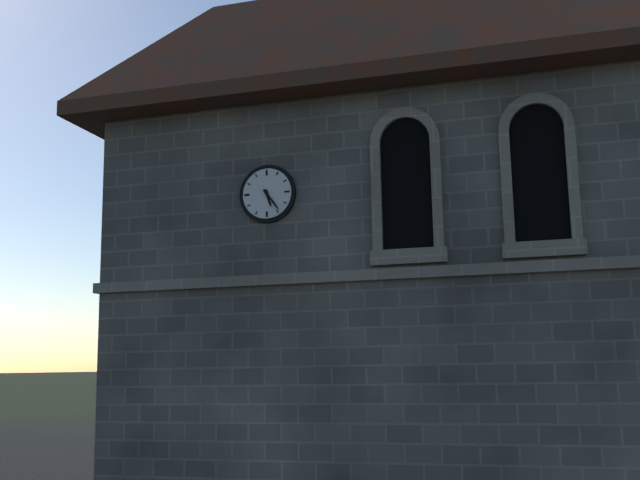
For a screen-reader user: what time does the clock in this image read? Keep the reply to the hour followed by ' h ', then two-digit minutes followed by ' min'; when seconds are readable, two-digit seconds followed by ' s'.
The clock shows 5 h 24 min
